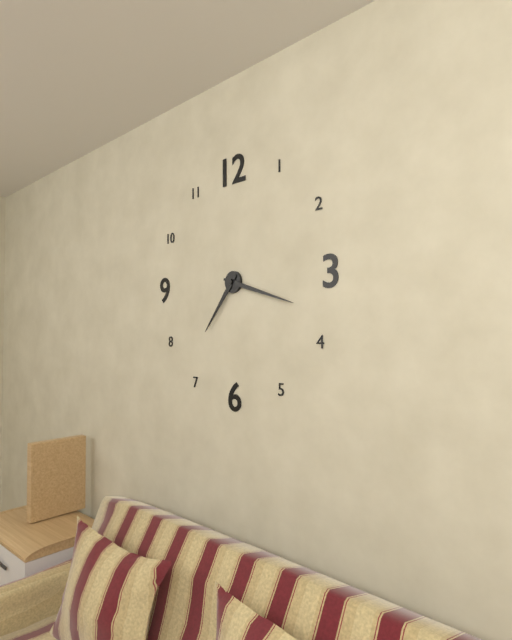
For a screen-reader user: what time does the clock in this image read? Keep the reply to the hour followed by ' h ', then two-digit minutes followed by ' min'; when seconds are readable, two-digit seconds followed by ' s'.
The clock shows 7 h 18 min
